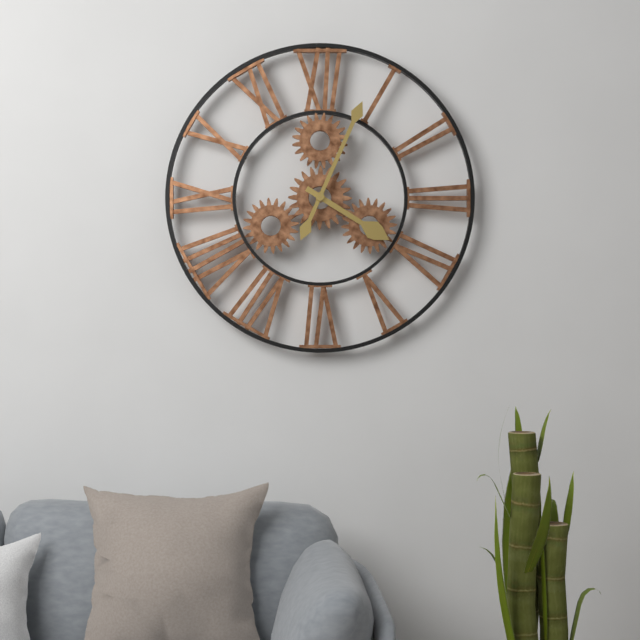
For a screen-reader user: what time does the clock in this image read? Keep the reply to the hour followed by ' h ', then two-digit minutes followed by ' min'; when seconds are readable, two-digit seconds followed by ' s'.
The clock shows 4 h 04 min
